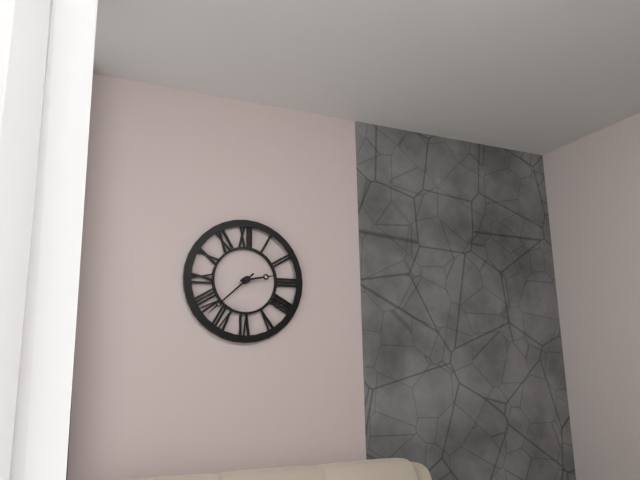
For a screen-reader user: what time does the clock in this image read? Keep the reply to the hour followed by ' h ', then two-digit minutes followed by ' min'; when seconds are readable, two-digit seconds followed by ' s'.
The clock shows 2 h 38 min
